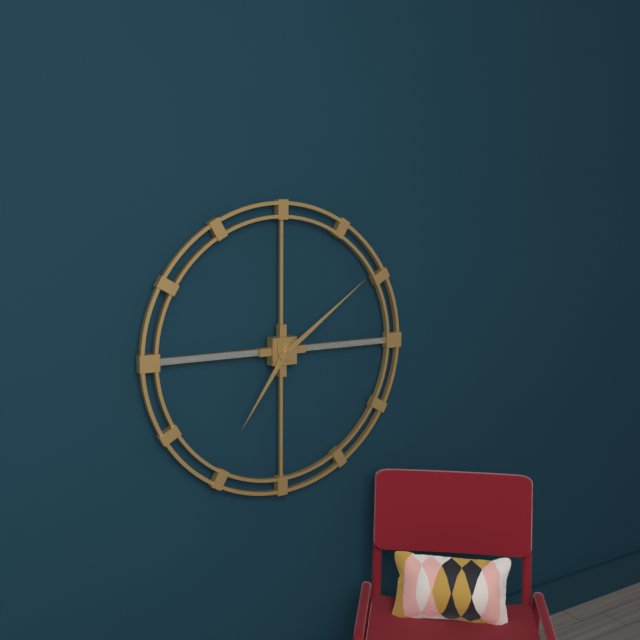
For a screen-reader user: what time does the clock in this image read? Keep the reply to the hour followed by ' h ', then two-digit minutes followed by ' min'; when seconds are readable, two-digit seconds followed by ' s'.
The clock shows 7 h 09 min
